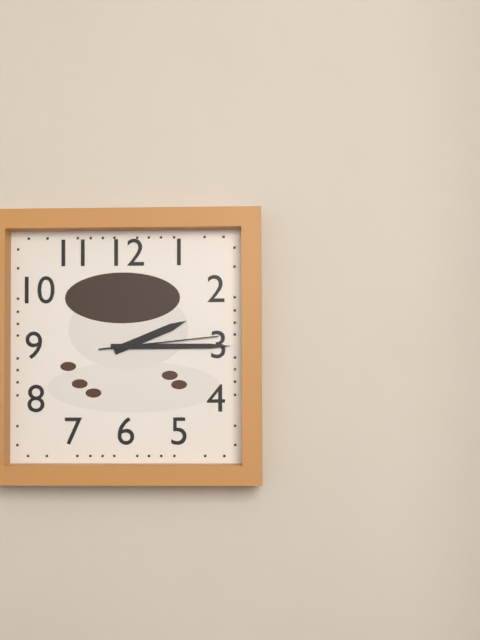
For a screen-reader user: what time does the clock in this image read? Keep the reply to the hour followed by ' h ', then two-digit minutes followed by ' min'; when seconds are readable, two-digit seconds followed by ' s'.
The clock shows 2 h 15 min 14 s
